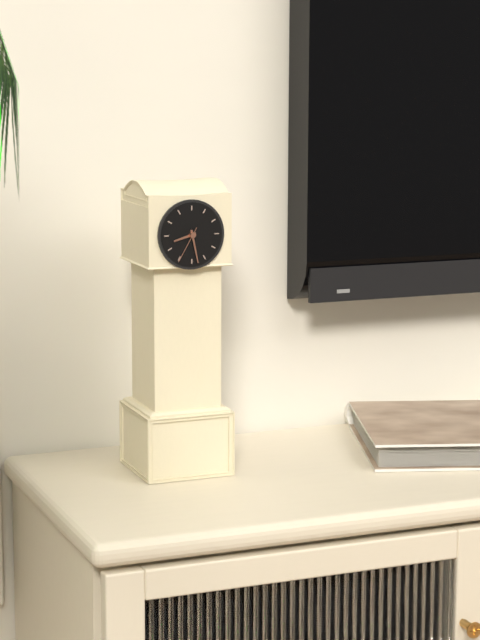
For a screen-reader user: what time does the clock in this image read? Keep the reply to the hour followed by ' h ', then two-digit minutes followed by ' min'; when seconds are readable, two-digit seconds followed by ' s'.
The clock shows 8 h 28 min
